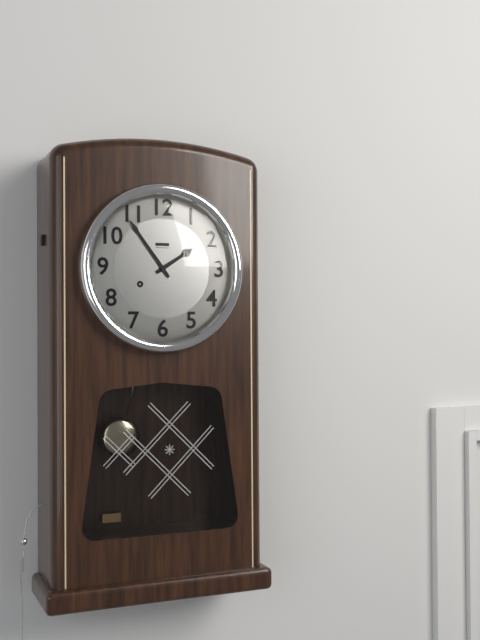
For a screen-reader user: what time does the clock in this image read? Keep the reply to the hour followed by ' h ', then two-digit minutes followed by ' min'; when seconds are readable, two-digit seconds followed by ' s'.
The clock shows 1 h 54 min
